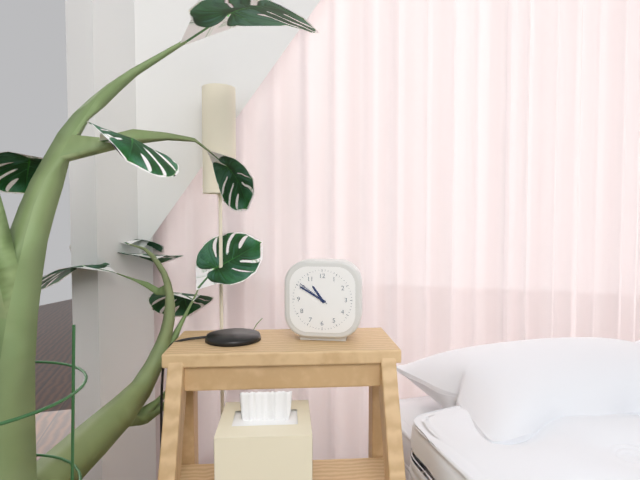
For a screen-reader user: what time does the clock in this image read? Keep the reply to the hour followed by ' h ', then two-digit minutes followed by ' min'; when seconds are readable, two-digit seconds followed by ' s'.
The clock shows 10 h 50 min
